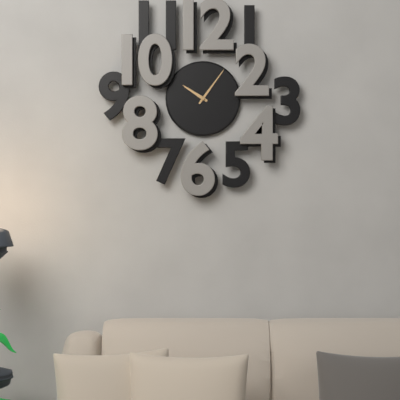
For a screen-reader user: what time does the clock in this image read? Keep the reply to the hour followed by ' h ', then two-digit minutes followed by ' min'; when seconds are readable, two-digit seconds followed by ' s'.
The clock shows 10 h 06 min
